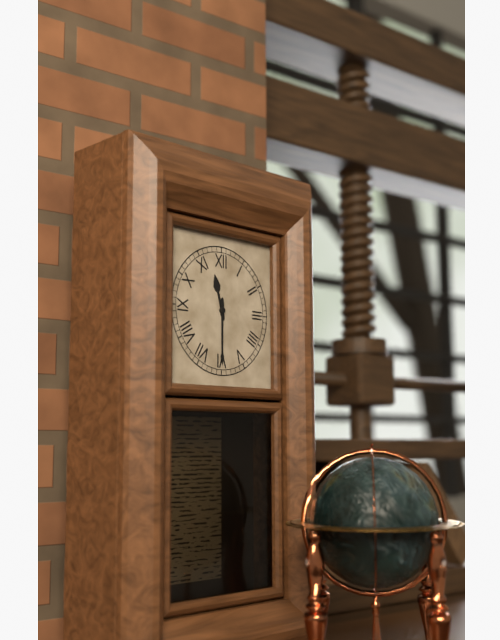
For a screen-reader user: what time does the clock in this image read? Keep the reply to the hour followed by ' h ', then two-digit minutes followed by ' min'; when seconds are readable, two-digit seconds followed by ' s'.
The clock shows 11 h 30 min
